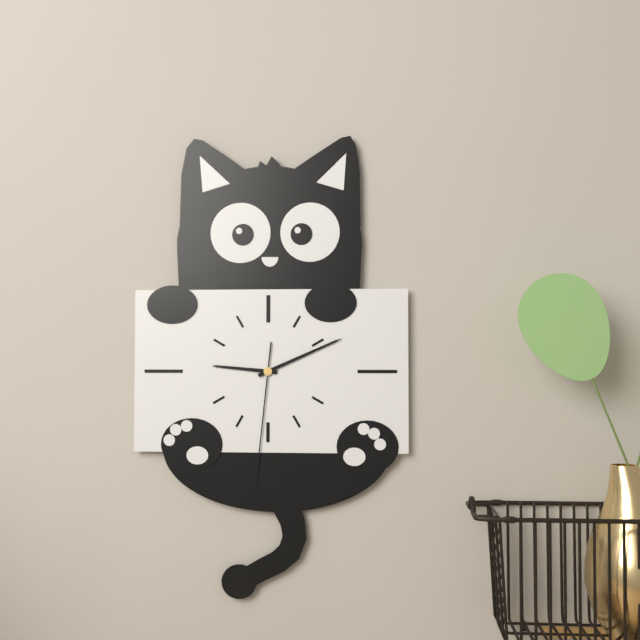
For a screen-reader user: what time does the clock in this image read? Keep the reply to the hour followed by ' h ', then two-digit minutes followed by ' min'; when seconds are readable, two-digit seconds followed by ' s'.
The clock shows 9 h 11 min 31 s
